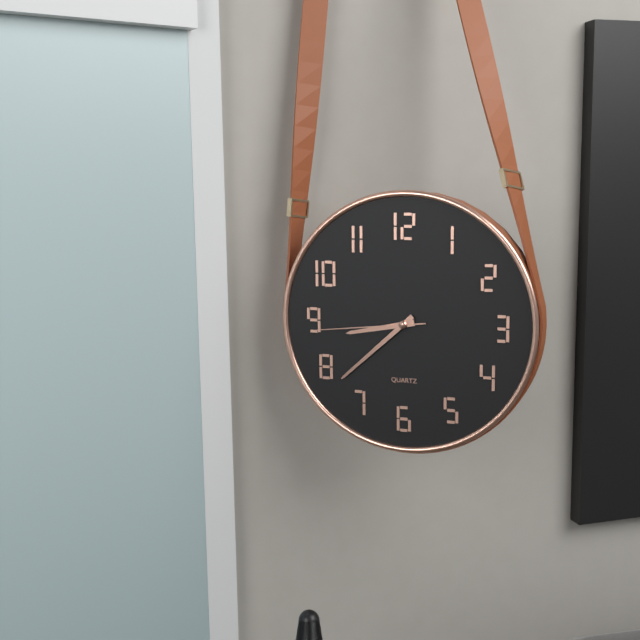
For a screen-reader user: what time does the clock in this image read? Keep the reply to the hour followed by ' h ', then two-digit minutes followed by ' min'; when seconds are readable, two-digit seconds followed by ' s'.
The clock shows 8 h 38 min 44 s
